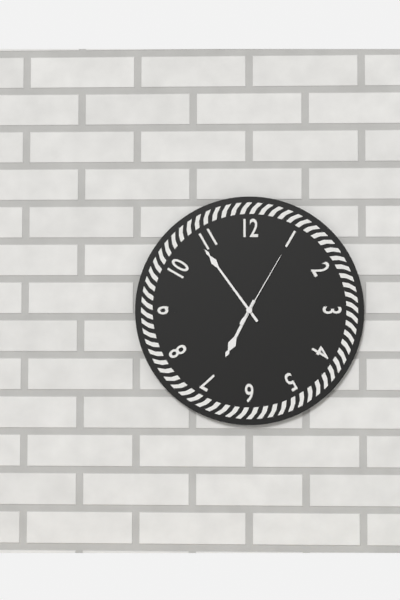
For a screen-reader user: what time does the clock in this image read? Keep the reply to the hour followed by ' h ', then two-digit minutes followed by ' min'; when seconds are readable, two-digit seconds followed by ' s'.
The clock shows 6 h 54 min 05 s
